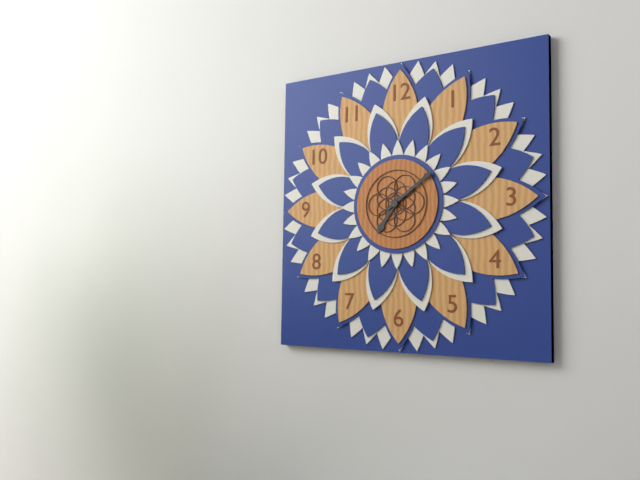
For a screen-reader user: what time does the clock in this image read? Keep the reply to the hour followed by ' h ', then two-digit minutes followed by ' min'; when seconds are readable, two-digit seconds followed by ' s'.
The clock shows 7 h 09 min
